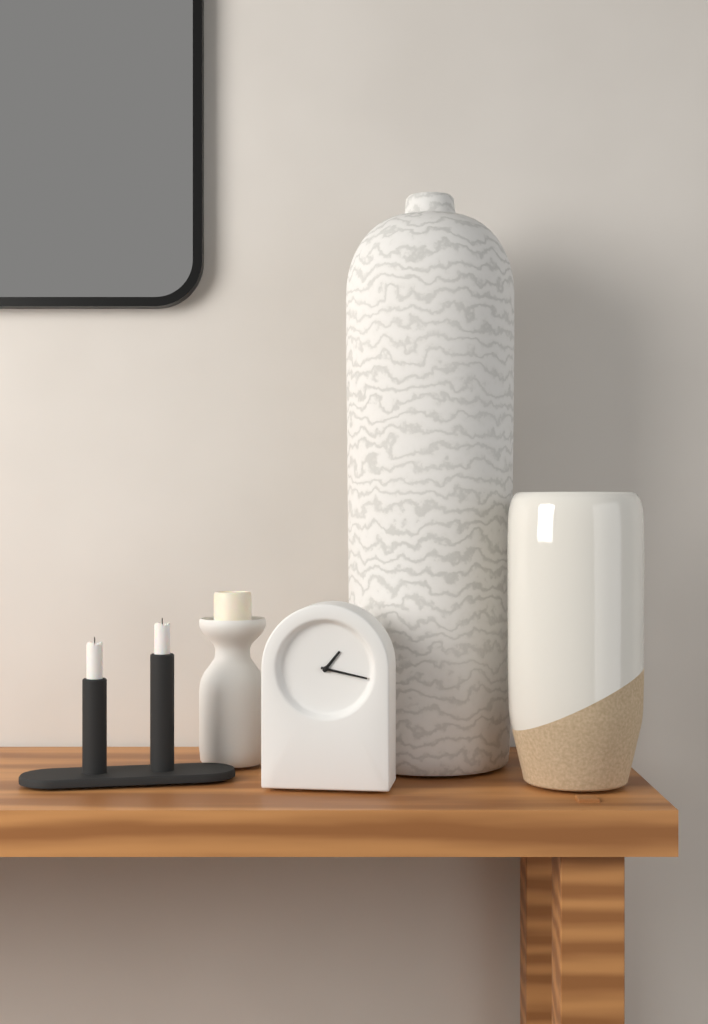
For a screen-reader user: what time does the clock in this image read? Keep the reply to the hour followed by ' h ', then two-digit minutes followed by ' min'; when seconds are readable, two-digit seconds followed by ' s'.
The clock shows 1 h 17 min
